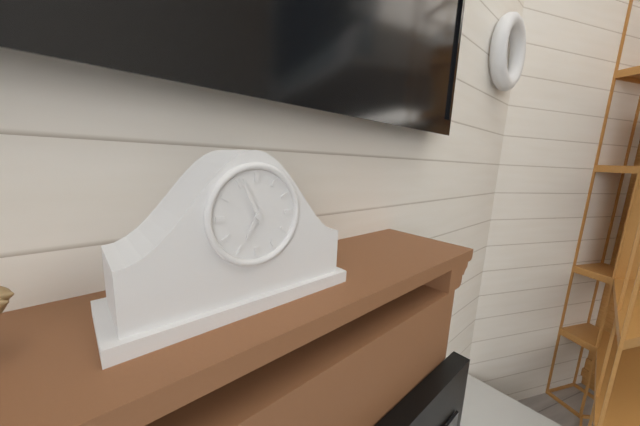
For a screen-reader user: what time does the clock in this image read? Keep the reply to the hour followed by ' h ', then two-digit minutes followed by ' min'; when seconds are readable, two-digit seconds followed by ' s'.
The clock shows 6 h 56 min
